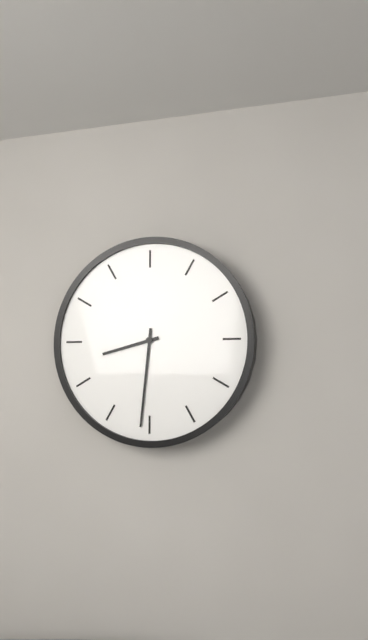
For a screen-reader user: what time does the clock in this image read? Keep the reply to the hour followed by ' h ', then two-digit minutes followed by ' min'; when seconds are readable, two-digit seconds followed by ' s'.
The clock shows 8 h 31 min
